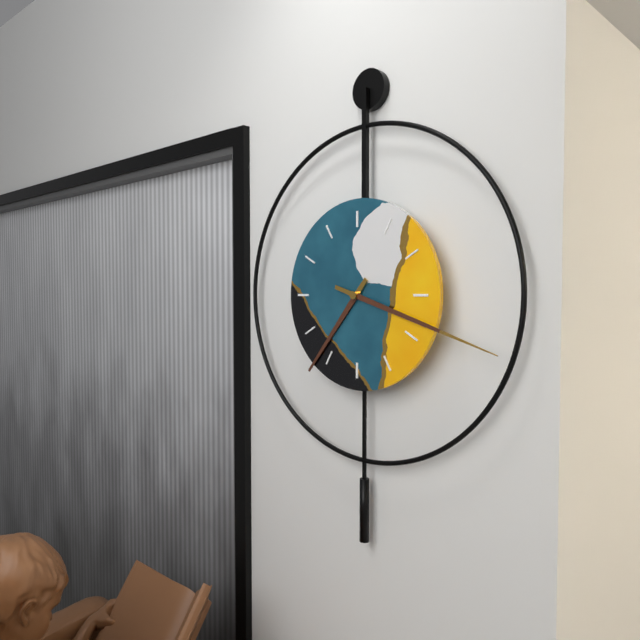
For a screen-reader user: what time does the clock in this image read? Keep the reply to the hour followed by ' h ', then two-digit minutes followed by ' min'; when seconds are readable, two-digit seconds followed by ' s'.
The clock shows 7 h 18 min
